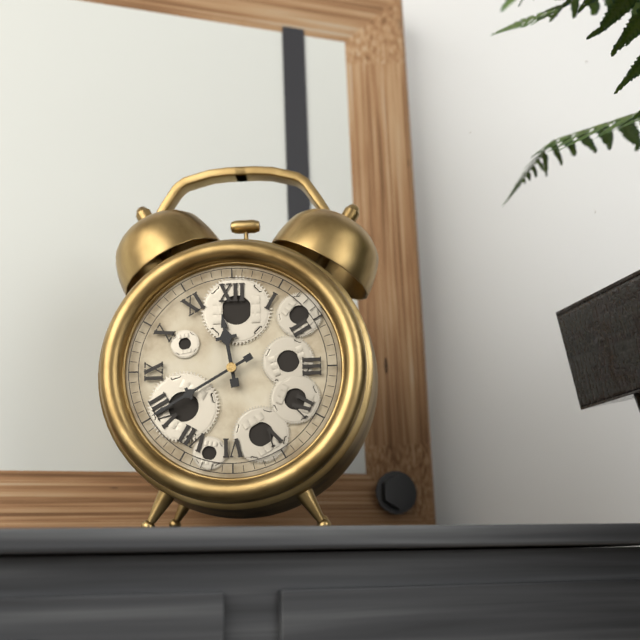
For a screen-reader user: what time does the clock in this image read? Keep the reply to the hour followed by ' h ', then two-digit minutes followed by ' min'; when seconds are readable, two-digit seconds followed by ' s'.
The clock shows 11 h 40 min
